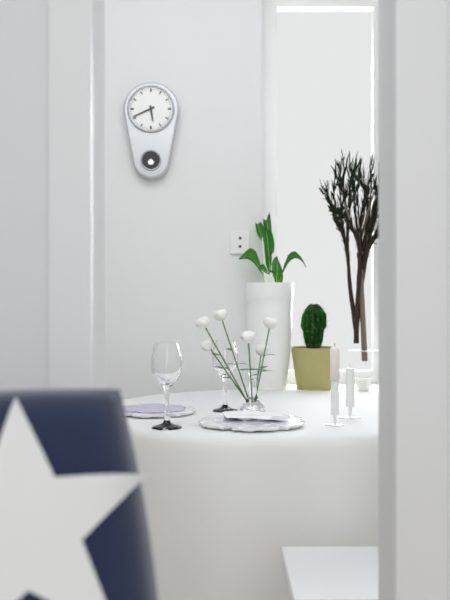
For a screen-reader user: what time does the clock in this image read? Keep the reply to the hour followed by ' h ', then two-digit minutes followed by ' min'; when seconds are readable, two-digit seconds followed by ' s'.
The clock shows 5 h 41 min
